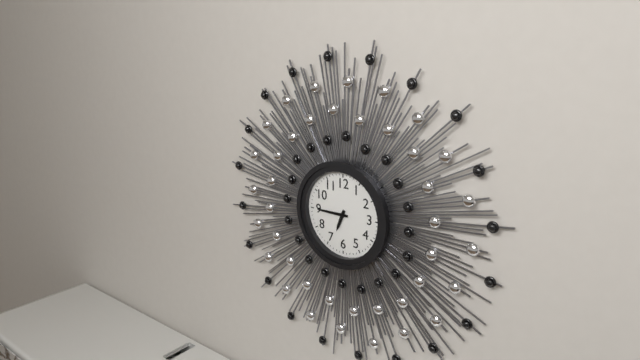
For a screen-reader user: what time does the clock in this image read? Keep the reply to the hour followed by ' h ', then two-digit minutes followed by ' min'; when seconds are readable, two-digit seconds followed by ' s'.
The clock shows 6 h 45 min
